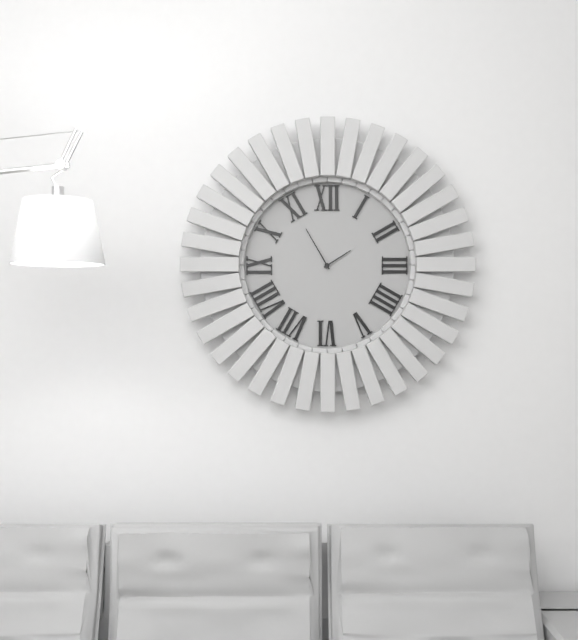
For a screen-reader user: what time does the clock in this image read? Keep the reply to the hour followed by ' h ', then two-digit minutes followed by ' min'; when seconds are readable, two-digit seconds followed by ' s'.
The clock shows 1 h 55 min
